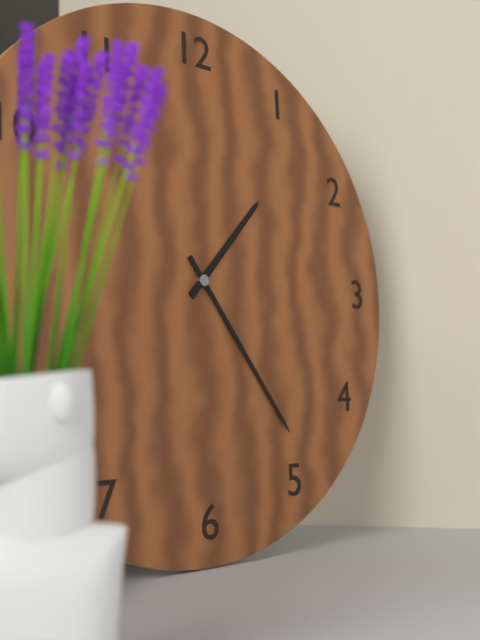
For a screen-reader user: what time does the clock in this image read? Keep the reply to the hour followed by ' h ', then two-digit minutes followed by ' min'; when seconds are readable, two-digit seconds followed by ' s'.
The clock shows 1 h 24 min
